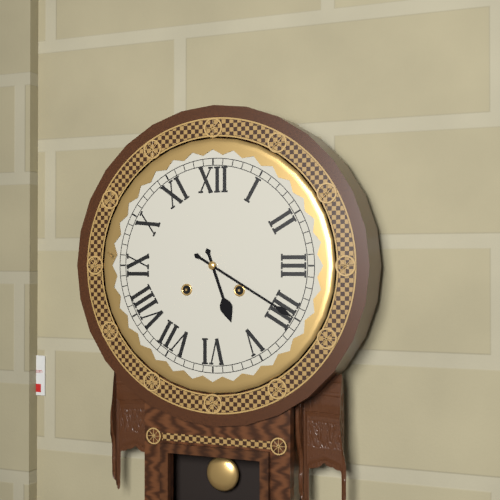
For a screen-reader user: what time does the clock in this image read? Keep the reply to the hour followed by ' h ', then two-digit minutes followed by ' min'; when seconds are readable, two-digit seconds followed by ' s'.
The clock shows 5 h 20 min
